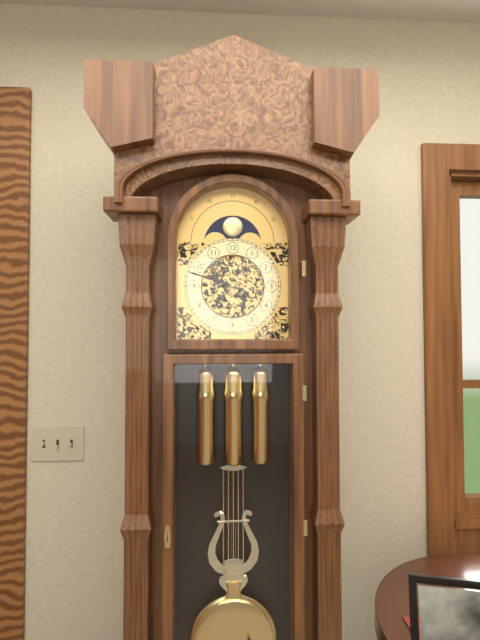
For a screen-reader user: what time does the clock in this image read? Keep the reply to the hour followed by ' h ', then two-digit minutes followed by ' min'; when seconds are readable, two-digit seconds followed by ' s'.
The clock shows 9 h 48 min
